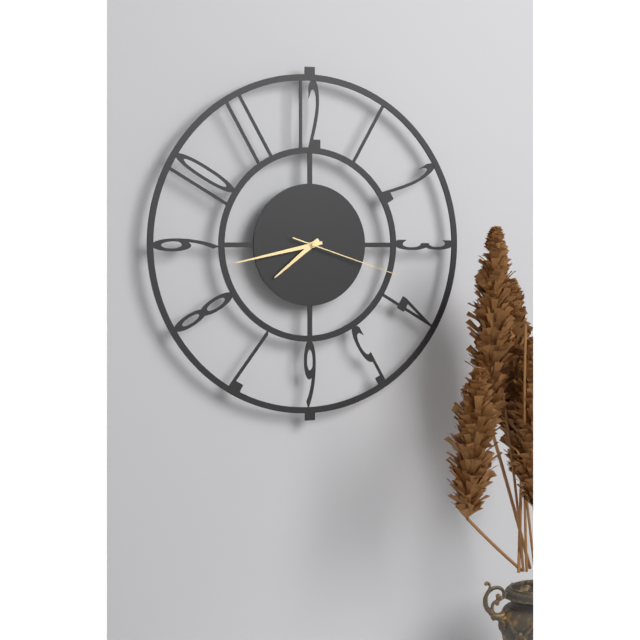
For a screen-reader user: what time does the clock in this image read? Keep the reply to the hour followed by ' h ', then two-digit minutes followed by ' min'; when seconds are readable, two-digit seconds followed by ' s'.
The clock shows 7 h 43 min 18 s
